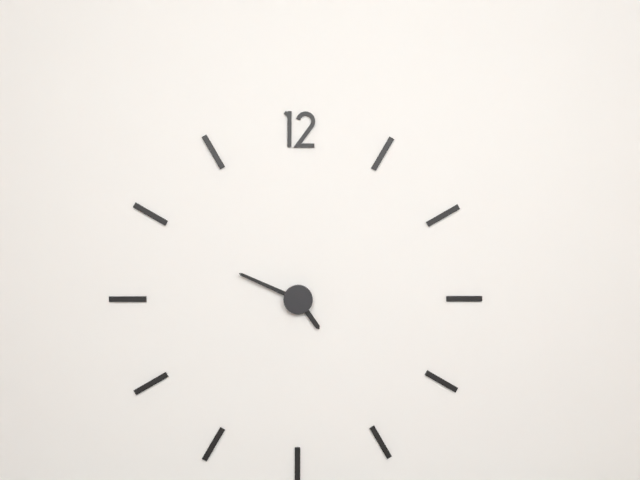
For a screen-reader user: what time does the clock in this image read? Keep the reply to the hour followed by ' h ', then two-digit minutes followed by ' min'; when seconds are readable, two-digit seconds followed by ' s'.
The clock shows 4 h 49 min
